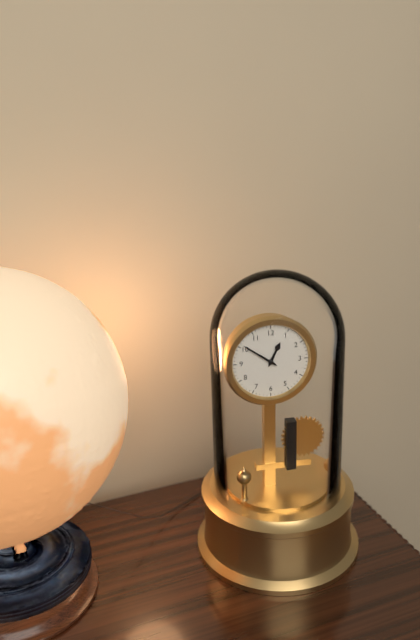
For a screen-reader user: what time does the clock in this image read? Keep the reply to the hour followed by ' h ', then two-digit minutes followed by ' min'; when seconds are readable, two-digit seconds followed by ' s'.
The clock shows 12 h 51 min
